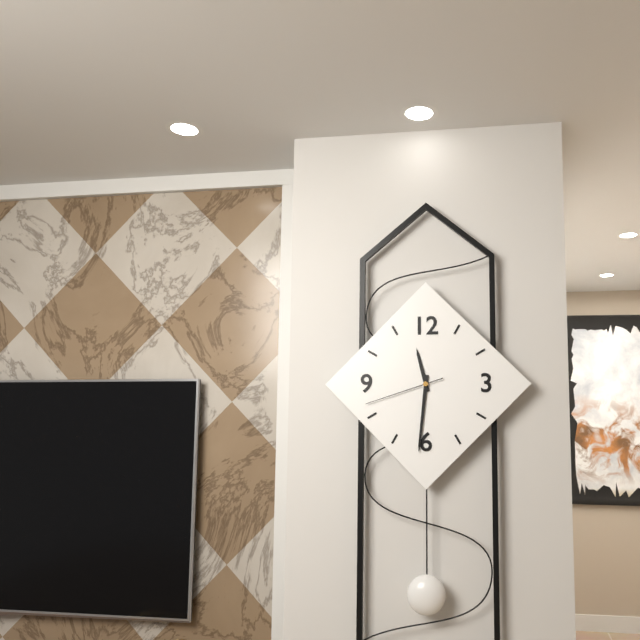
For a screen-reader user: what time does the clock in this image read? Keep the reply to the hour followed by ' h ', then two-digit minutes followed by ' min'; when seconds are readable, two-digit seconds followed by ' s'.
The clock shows 11 h 31 min 42 s
